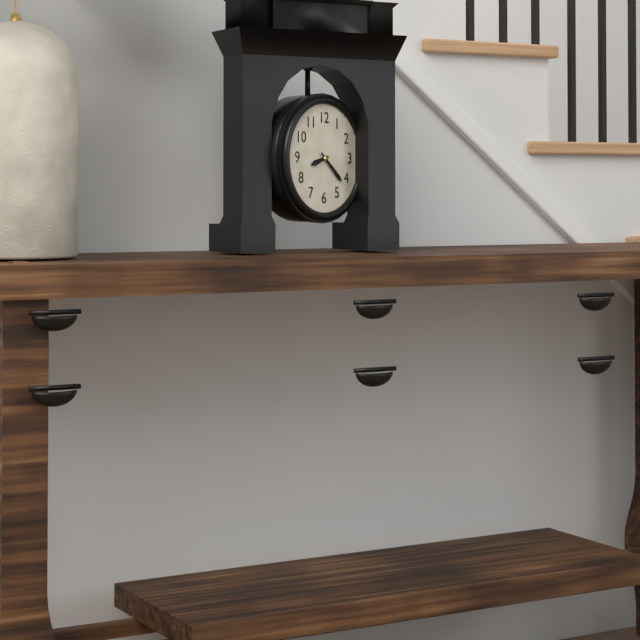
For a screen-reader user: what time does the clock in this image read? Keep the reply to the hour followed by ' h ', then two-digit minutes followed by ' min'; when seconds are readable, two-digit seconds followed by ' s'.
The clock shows 8 h 22 min
